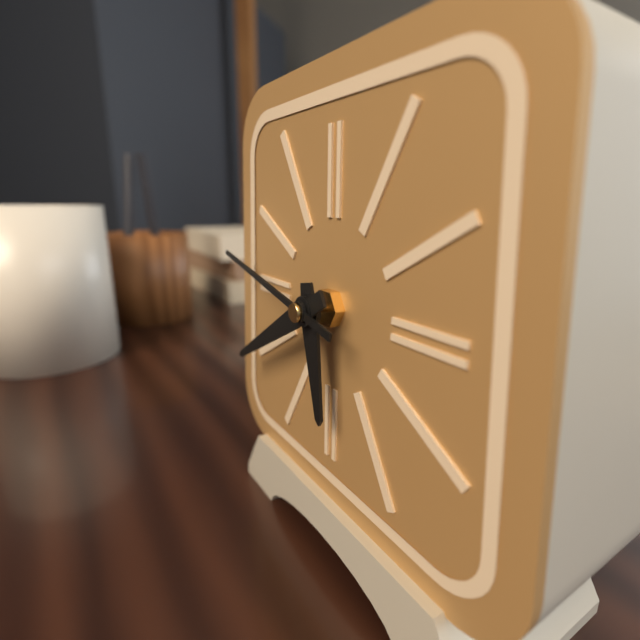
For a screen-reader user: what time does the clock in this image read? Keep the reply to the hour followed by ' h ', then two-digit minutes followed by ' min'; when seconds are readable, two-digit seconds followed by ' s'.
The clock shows 5 h 40 min 47 s
